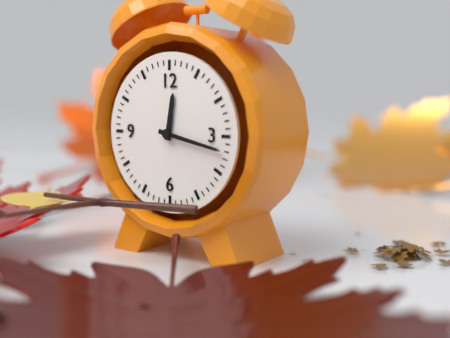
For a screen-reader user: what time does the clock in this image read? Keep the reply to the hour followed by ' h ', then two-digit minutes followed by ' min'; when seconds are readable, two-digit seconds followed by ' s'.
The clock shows 12 h 17 min
